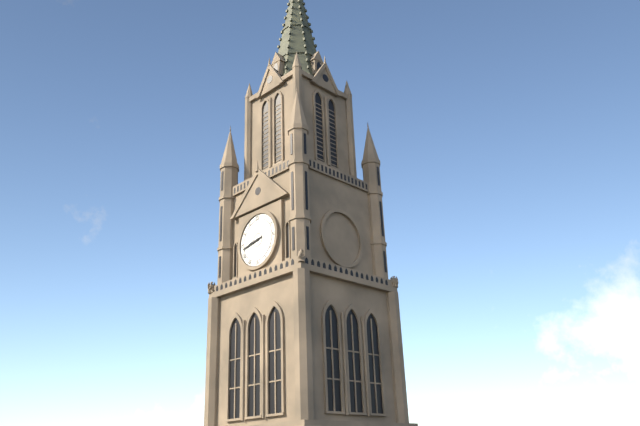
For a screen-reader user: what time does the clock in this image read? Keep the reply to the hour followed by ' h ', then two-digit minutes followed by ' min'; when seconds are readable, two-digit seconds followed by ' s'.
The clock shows 8 h 43 min
